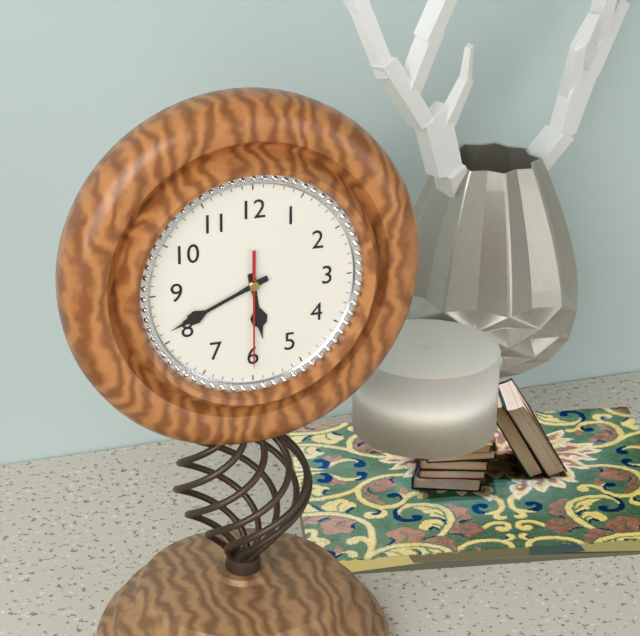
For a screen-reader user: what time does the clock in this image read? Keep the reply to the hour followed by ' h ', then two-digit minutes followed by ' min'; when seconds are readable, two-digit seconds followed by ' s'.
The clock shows 5 h 41 min 30 s
